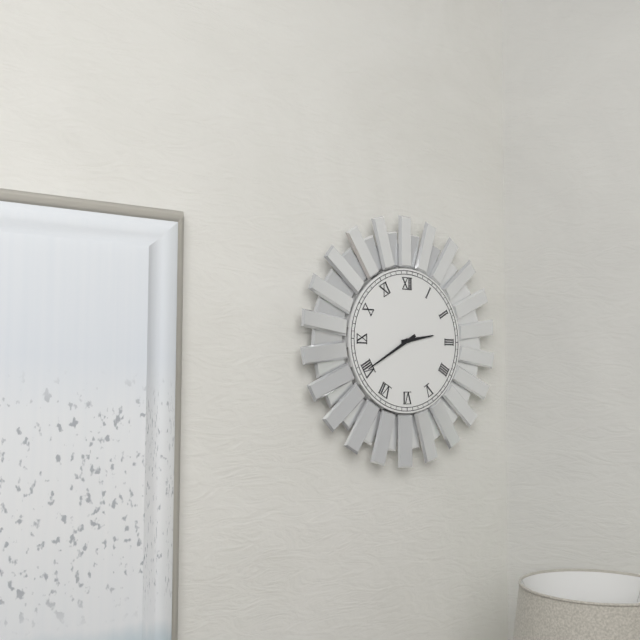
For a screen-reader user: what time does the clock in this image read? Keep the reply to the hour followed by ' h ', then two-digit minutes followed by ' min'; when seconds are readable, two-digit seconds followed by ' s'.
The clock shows 2 h 40 min
